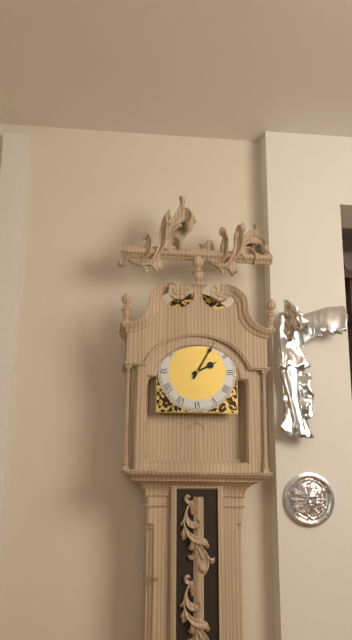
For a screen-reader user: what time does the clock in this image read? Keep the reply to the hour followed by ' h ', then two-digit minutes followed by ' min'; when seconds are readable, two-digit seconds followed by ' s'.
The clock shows 2 h 05 min
